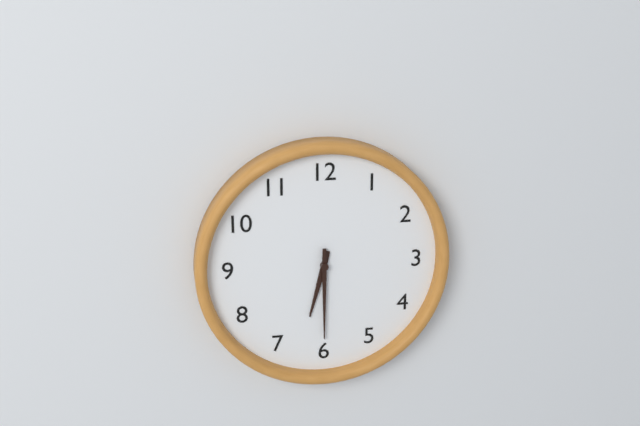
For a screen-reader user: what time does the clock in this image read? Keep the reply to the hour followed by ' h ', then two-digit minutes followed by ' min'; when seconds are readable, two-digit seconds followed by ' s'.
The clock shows 6 h 30 min
